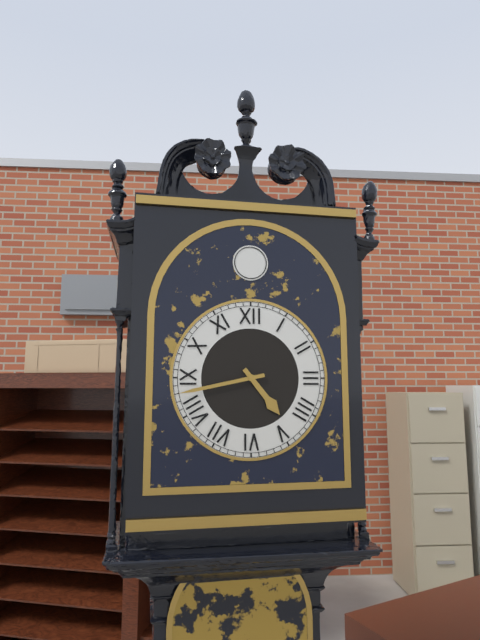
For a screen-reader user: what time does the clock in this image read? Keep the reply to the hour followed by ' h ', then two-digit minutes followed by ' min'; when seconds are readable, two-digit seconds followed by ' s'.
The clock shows 4 h 43 min
